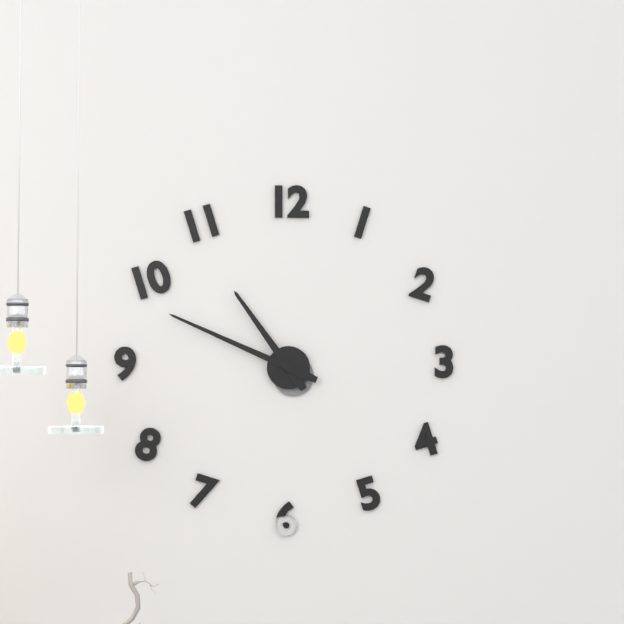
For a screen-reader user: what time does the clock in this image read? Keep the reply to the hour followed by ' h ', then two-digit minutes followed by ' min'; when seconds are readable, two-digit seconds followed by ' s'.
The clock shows 10 h 49 min
